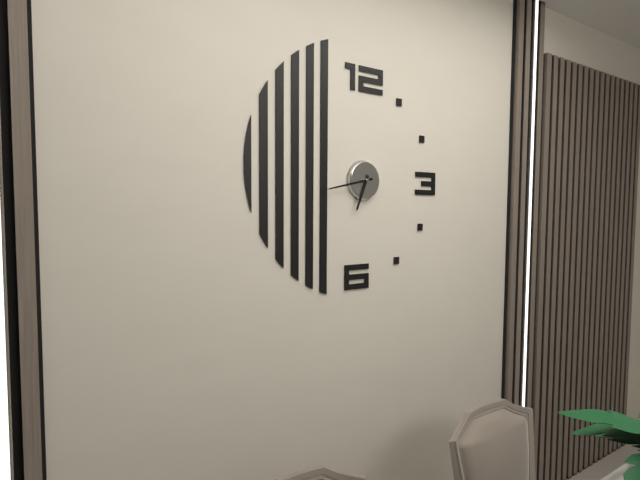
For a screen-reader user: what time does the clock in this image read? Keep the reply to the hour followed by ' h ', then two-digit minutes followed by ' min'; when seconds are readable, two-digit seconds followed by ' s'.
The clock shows 6 h 43 min
